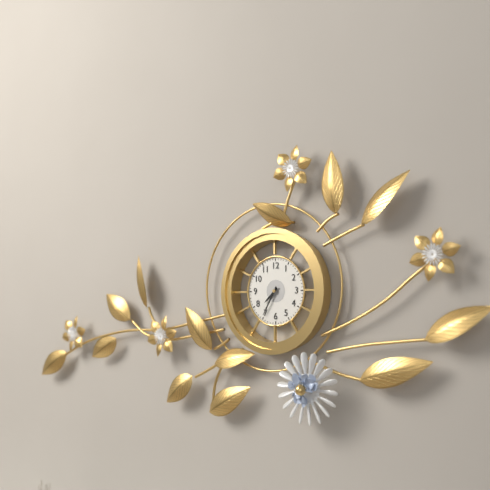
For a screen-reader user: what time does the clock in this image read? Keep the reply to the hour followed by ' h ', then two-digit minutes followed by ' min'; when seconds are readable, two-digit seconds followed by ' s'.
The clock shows 7 h 35 min
